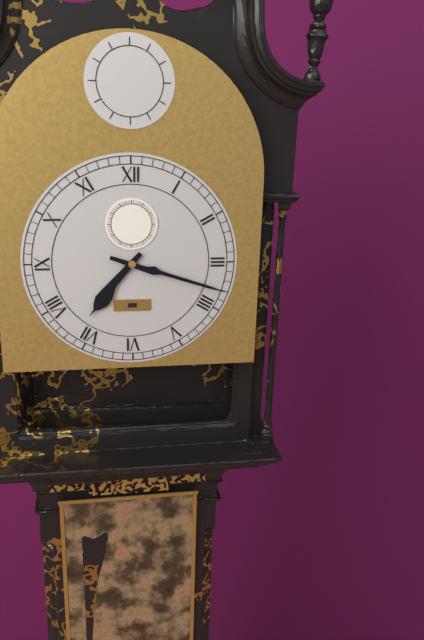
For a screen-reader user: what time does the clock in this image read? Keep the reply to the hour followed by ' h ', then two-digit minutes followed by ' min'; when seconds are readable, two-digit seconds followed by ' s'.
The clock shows 7 h 18 min
